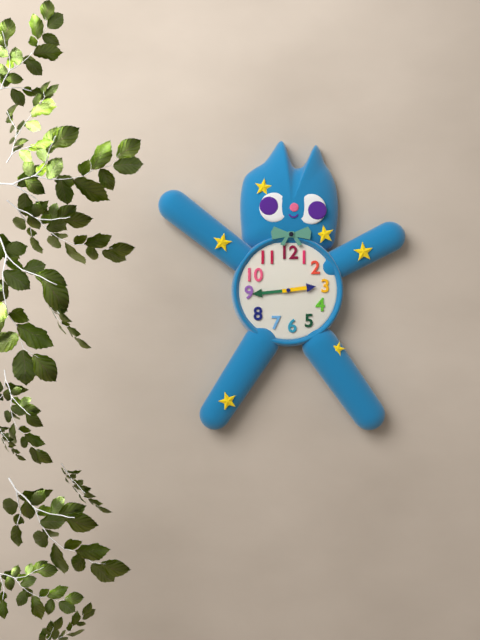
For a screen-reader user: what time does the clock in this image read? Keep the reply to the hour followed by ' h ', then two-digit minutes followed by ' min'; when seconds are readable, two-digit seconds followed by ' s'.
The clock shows 2 h 44 min
